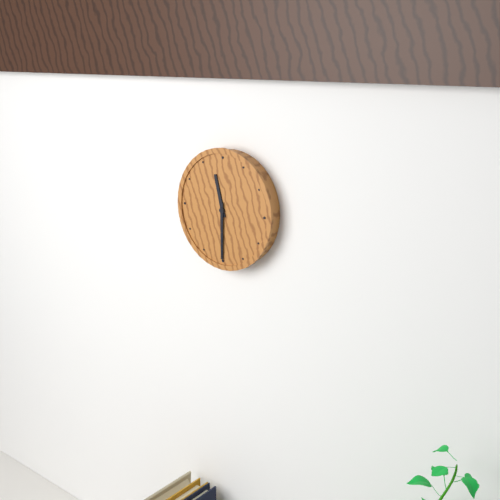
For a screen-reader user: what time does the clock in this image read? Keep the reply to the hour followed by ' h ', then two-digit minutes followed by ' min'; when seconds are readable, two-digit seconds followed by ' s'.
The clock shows 11 h 30 min
